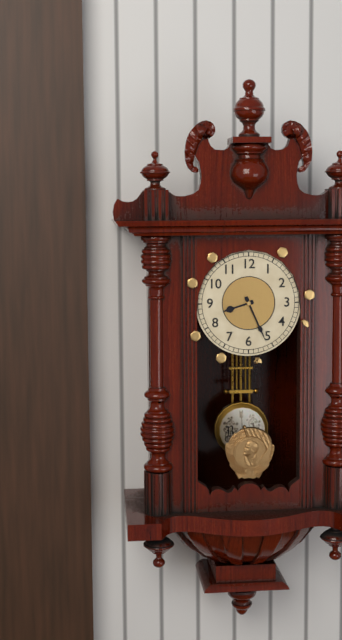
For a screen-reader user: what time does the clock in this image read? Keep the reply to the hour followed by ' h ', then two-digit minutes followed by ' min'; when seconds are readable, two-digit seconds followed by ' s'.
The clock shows 8 h 26 min
